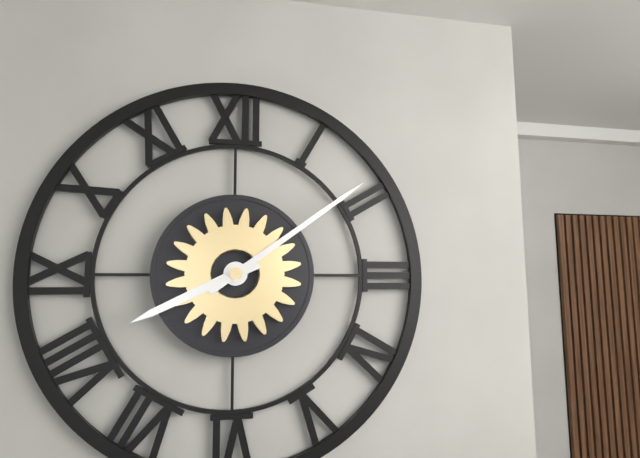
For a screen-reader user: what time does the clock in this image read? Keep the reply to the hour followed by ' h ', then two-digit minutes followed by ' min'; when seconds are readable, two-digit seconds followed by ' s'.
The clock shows 8 h 09 min
